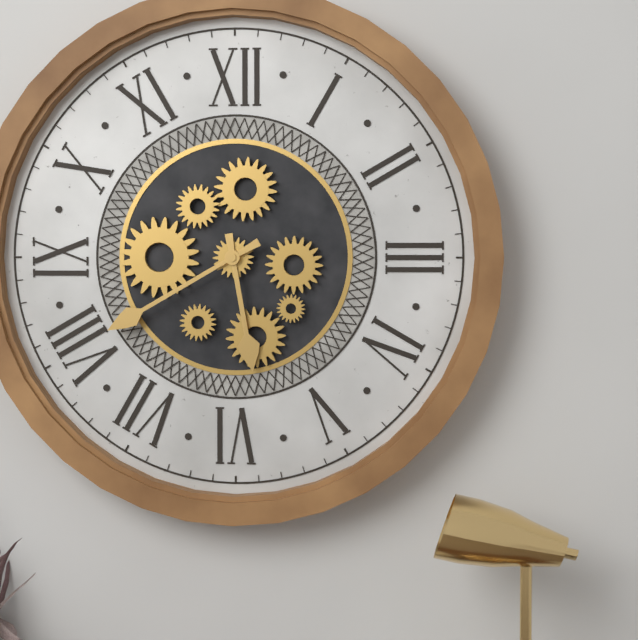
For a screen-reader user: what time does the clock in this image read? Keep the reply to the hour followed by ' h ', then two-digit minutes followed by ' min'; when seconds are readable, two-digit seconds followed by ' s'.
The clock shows 5 h 40 min
